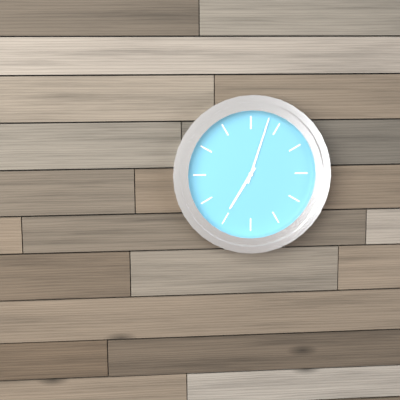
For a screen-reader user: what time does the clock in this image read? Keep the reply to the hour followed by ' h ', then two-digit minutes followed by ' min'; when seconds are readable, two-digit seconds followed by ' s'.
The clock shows 7 h 03 min
